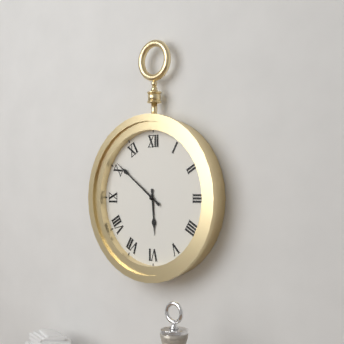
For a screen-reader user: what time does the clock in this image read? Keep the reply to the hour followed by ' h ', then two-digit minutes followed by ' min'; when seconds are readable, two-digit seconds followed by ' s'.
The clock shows 5 h 51 min
